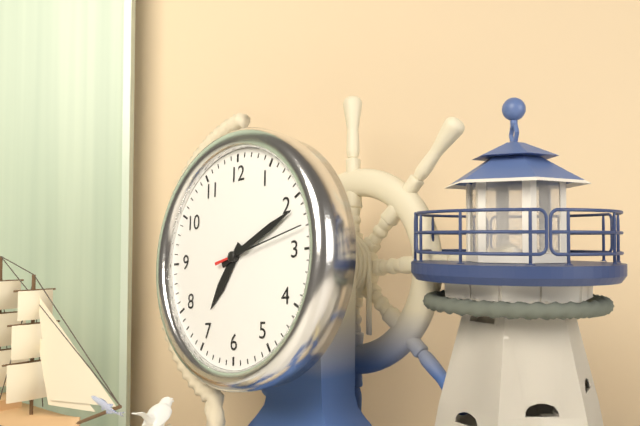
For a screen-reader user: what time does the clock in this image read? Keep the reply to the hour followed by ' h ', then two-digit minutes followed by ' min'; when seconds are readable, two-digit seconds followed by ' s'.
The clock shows 7 h 11 min 13 s
